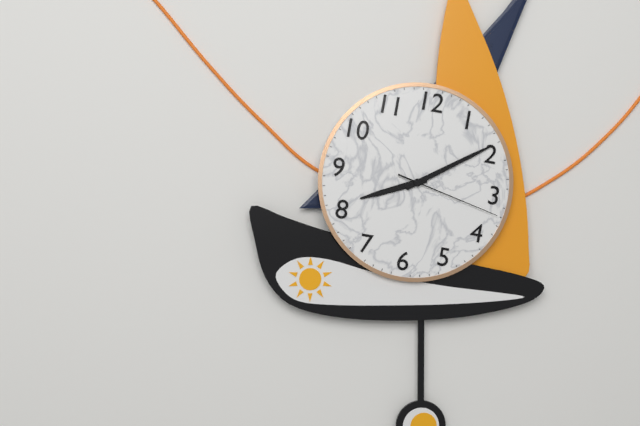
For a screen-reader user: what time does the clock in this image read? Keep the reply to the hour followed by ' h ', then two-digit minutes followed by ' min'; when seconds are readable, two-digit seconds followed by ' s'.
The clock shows 8 h 09 min 17 s
